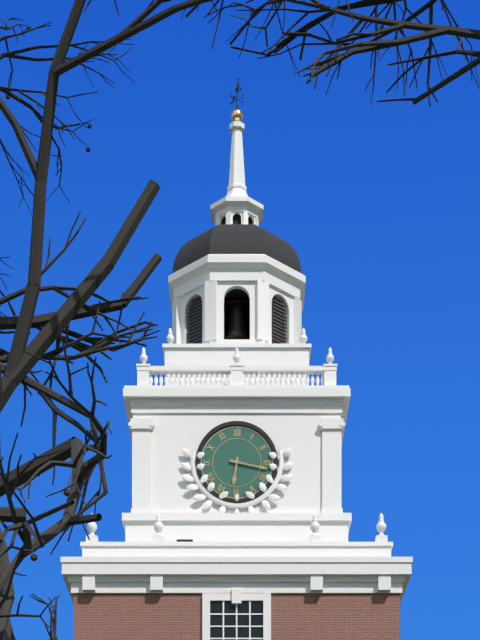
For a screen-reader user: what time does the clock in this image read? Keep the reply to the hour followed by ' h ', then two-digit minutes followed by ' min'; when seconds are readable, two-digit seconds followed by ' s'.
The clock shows 6 h 17 min
